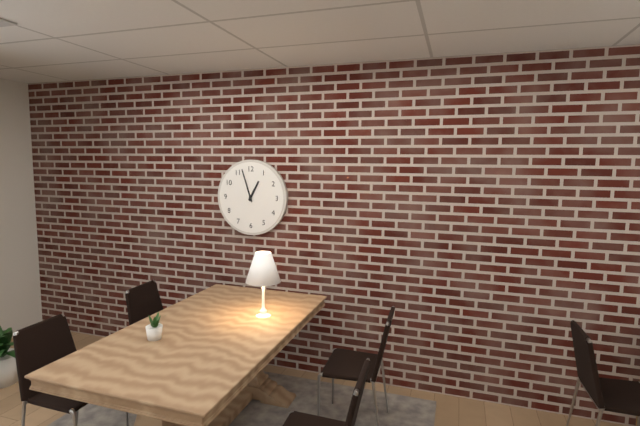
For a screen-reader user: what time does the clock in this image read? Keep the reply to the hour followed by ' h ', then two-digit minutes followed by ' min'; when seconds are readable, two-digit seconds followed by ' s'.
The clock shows 12 h 57 min
